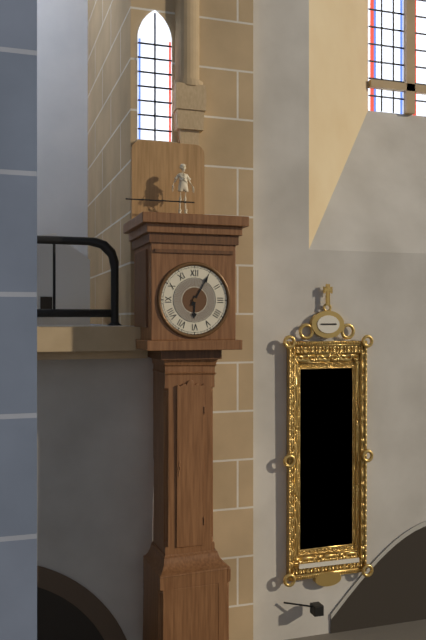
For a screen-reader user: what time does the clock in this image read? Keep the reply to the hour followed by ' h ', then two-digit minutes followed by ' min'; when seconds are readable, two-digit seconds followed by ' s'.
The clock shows 6 h 05 min
